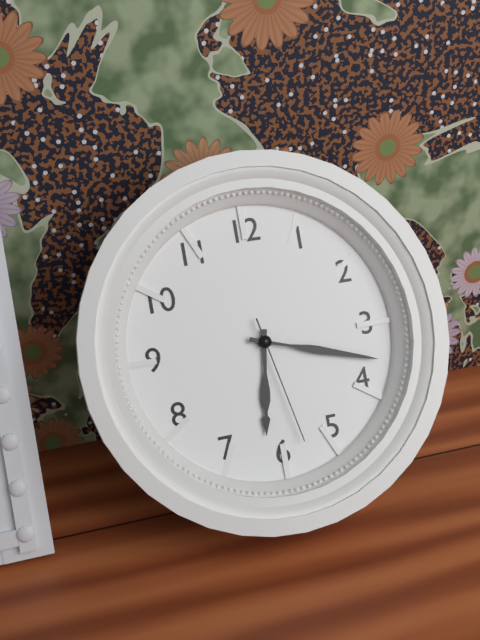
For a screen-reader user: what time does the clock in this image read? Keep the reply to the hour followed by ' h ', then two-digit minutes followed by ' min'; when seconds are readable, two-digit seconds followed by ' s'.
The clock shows 6 h 18 min 28 s
